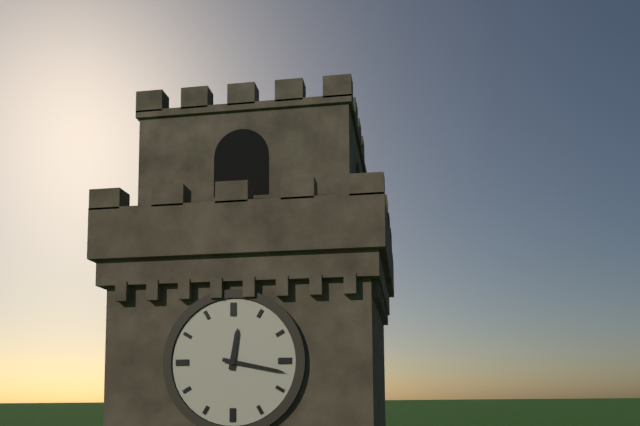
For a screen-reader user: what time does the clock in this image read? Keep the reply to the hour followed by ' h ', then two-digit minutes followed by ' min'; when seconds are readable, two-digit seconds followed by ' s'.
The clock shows 12 h 17 min
